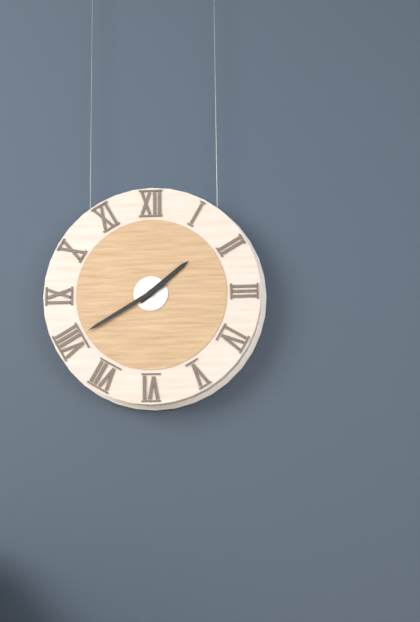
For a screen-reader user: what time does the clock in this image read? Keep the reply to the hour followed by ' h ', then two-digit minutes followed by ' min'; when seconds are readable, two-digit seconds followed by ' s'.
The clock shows 1 h 40 min
